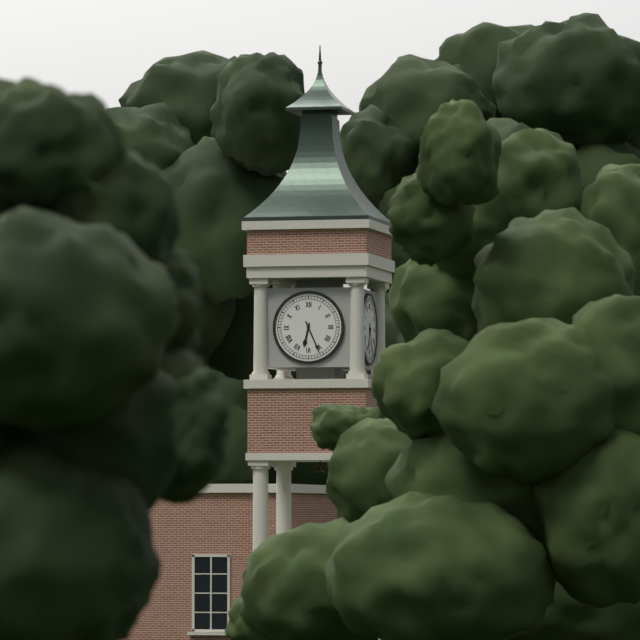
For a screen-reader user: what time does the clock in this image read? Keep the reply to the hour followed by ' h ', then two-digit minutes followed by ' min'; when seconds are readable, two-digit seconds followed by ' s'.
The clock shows 6 h 26 min
